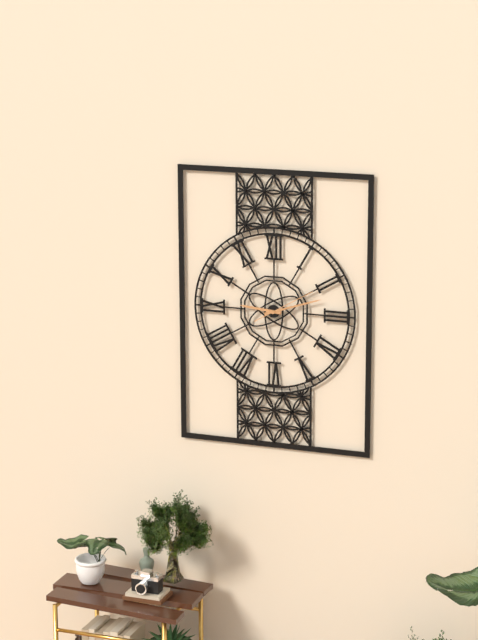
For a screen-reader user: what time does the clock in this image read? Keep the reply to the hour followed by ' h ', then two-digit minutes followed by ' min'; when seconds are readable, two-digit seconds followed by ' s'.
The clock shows 9 h 12 min 10 s
